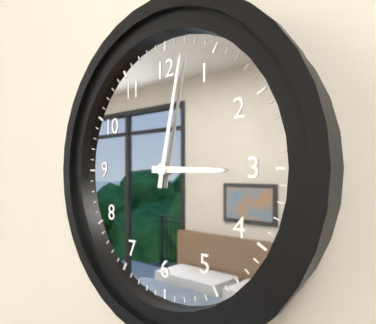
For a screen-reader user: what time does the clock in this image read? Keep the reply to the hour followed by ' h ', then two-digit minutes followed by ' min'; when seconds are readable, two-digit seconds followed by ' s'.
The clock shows 3 h 02 min
